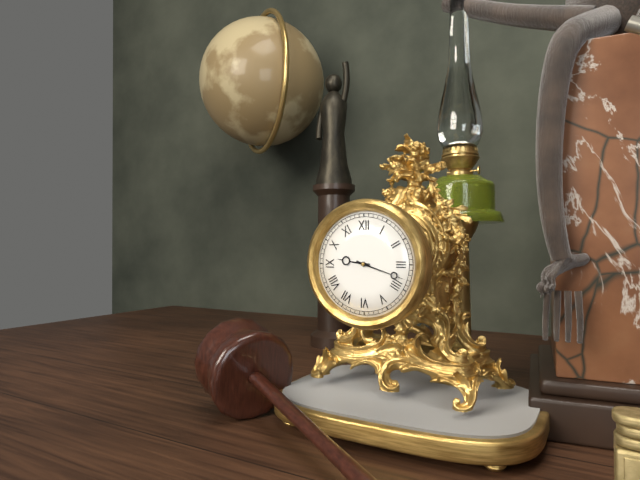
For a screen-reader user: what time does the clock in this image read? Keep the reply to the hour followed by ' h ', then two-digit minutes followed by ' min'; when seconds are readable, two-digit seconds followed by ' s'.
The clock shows 9 h 18 min
